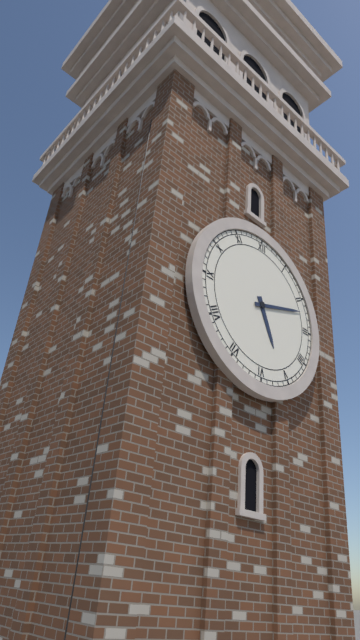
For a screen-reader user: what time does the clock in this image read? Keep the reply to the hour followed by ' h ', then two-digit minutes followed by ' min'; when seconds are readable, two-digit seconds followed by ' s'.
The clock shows 5 h 12 min
